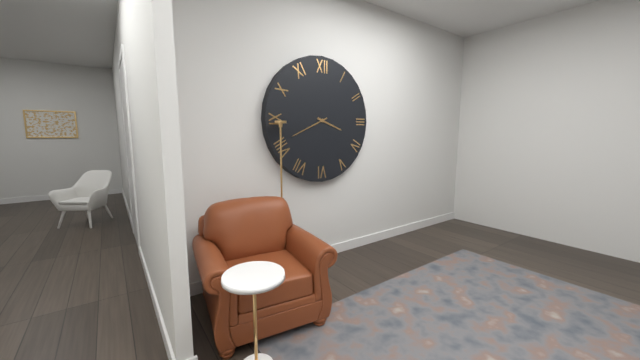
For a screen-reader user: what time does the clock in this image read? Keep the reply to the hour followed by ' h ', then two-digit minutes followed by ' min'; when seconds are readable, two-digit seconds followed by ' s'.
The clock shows 3 h 41 min
